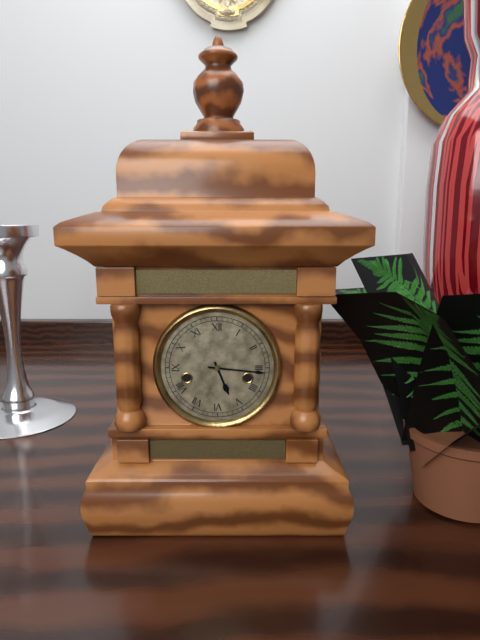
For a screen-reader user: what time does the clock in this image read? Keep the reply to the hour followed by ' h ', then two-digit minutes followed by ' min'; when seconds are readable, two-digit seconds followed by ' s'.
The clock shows 5 h 16 min
